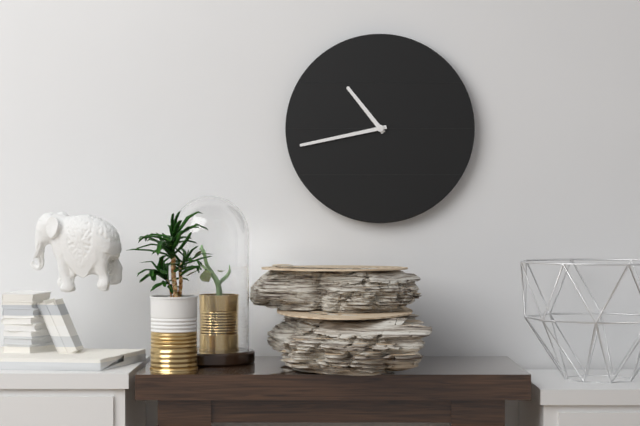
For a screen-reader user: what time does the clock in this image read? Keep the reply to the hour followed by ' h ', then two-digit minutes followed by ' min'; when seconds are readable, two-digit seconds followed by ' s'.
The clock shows 10 h 43 min
